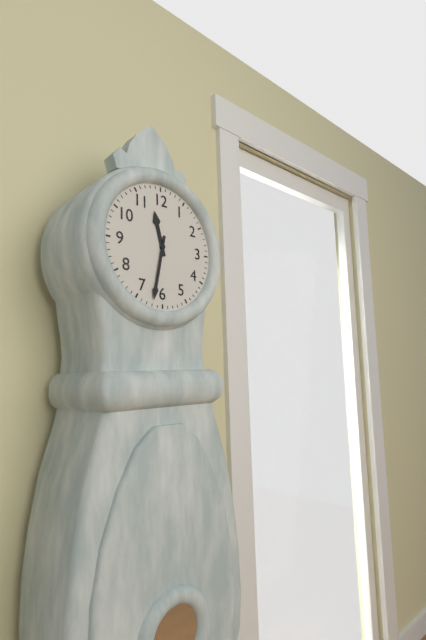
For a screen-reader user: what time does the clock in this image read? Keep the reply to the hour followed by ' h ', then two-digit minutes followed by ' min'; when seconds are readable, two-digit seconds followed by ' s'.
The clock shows 11 h 32 min
